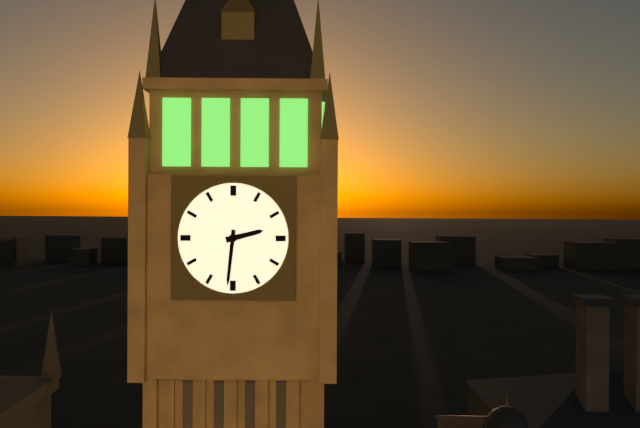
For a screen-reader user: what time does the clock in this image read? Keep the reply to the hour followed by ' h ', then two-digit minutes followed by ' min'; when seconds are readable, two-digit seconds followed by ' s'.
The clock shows 2 h 31 min
